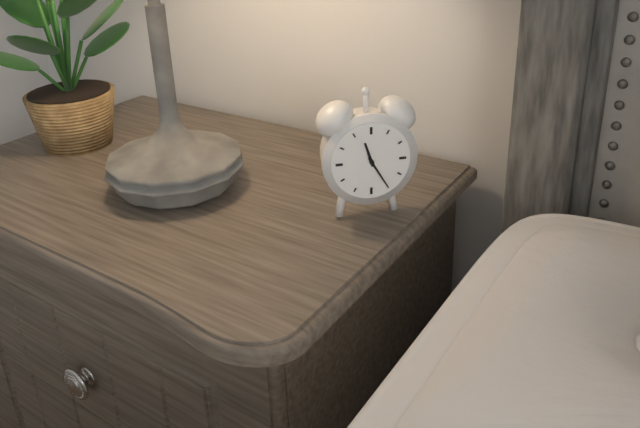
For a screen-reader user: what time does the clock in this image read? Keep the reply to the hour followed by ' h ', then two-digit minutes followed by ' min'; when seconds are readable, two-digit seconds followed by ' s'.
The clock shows 11 h 25 min
